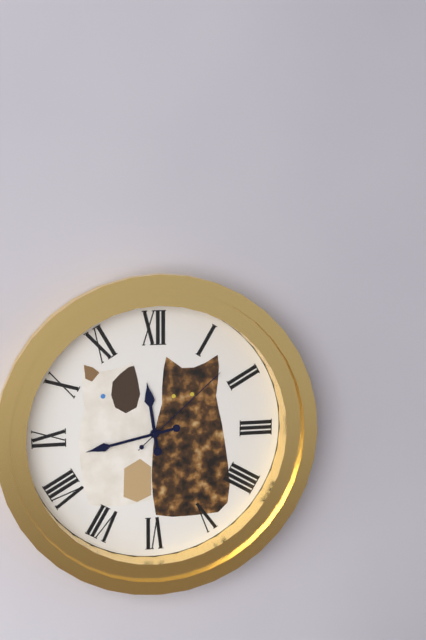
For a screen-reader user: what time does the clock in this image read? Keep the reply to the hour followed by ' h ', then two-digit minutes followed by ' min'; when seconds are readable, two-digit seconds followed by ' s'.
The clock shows 11 h 43 min 08 s
